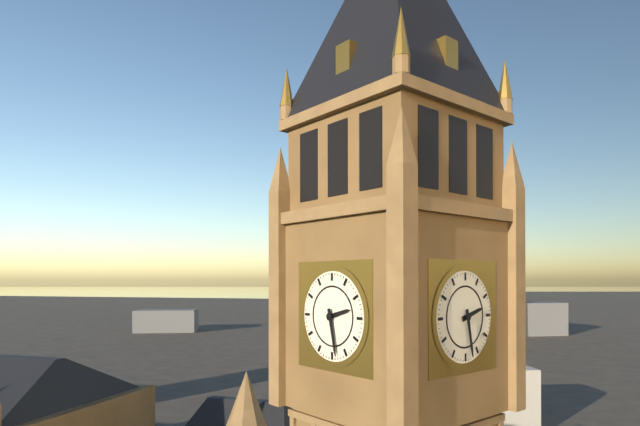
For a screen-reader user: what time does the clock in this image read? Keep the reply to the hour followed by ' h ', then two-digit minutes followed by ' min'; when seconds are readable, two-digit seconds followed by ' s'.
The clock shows 2 h 28 min
